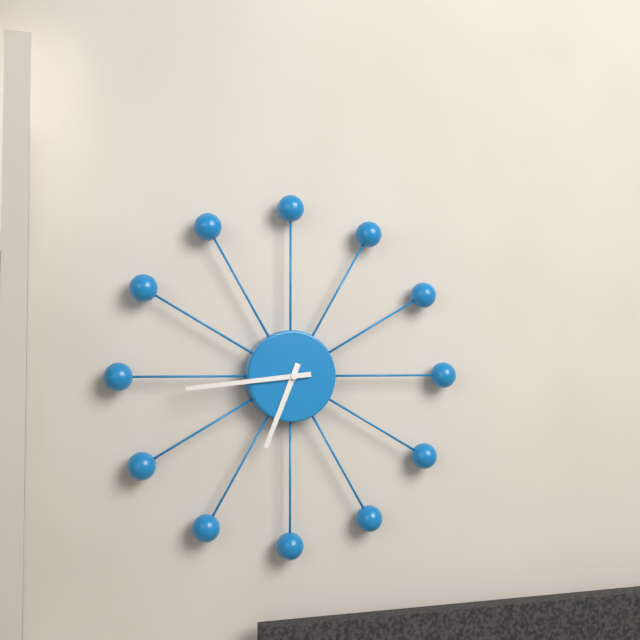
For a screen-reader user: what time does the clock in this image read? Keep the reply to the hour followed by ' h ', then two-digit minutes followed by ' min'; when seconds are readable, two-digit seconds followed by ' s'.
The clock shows 6 h 44 min
